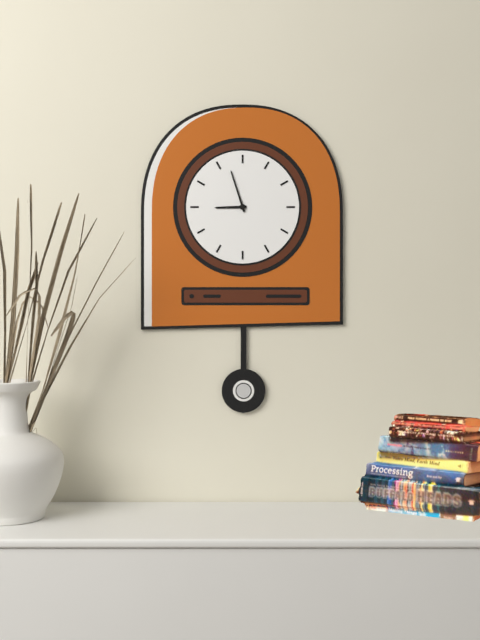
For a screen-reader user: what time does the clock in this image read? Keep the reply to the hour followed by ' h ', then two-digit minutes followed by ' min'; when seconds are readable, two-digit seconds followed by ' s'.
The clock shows 8 h 57 min
